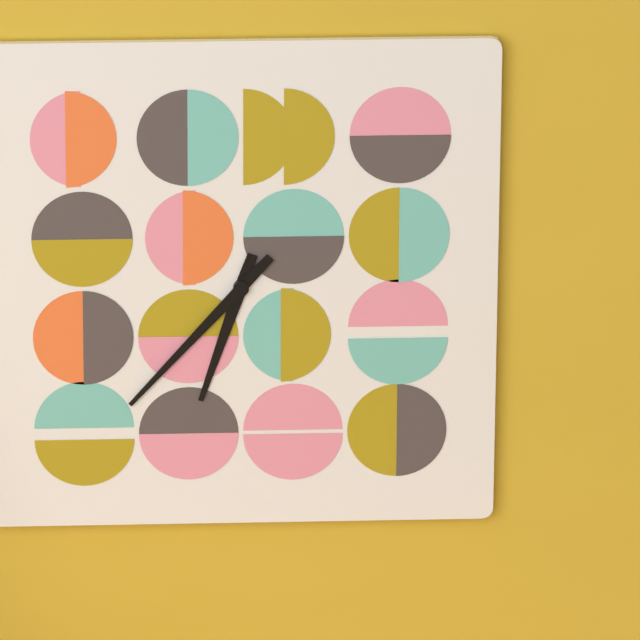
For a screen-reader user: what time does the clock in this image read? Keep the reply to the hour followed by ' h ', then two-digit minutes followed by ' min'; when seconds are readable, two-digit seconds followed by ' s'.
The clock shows 6 h 37 min
